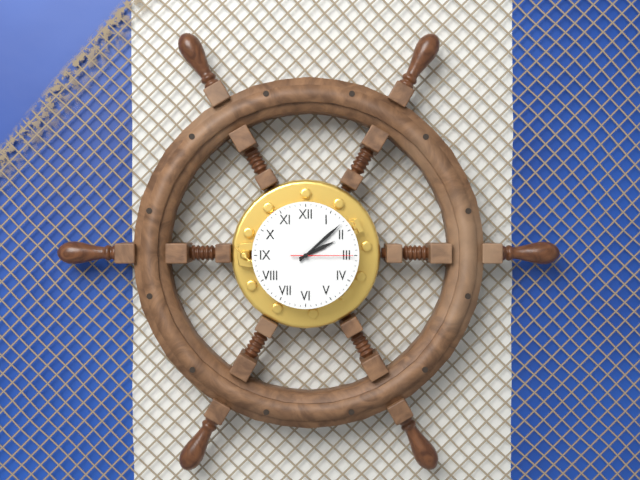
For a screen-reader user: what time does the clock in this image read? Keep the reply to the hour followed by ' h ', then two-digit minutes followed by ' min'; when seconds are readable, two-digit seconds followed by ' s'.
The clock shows 2 h 08 min 15 s
